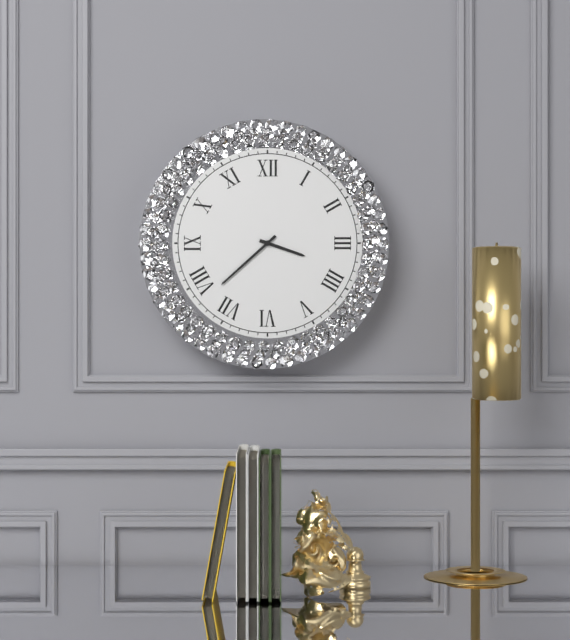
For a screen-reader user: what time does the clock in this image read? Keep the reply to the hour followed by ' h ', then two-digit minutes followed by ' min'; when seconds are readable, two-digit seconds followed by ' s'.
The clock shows 3 h 38 min
